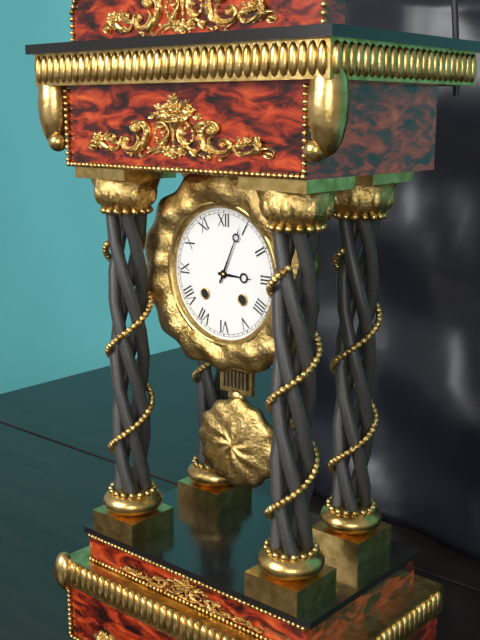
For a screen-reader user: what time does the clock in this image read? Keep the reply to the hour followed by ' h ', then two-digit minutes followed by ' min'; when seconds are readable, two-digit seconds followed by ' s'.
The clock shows 3 h 04 min
